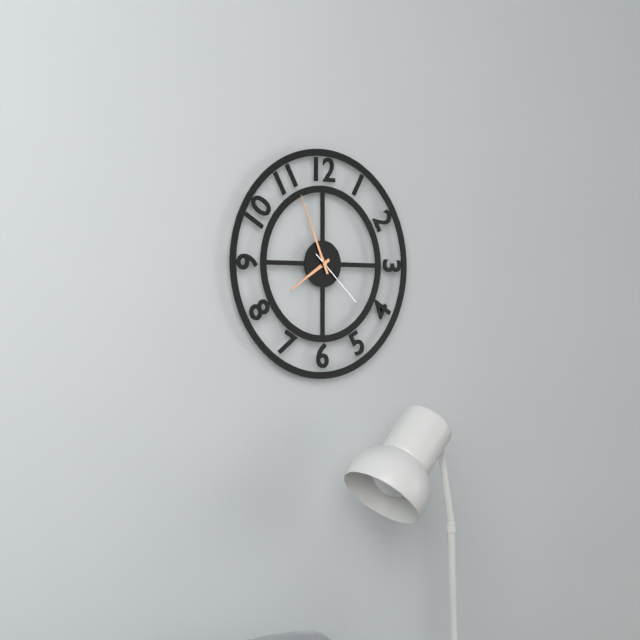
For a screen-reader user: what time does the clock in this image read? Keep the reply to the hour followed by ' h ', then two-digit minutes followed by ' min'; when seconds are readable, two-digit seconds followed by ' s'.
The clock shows 7 h 56 min 22 s
